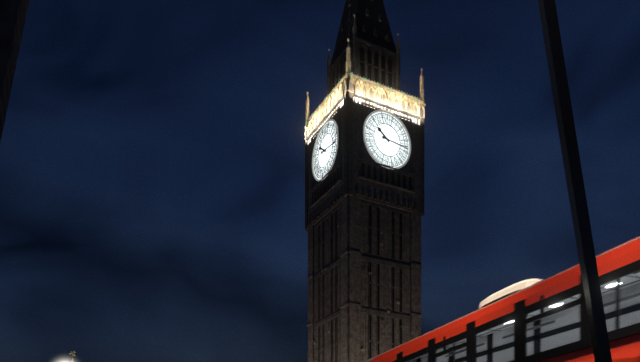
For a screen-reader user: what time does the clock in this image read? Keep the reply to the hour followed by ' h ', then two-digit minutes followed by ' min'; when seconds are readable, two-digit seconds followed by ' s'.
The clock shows 10 h 16 min
